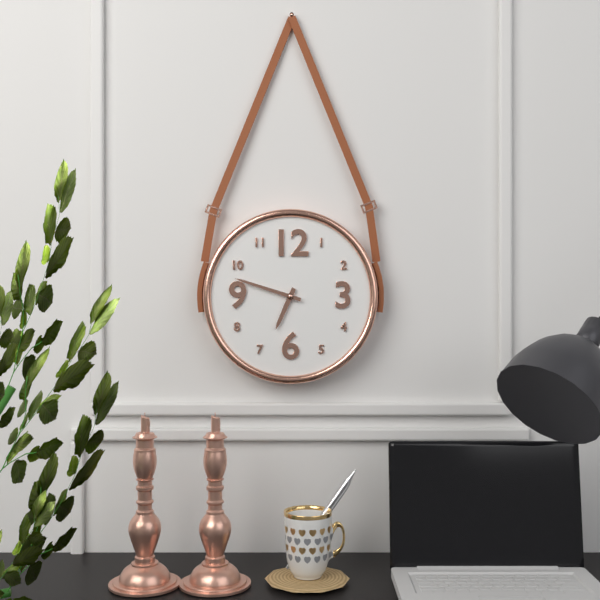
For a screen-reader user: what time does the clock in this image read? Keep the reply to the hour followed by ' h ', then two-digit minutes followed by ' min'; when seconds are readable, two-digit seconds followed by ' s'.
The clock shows 6 h 48 min
